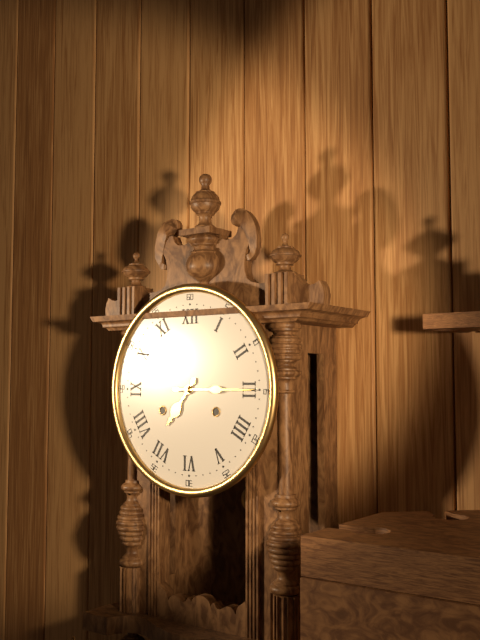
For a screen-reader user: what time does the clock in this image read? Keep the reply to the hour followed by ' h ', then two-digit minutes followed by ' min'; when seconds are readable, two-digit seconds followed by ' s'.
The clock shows 7 h 15 min
